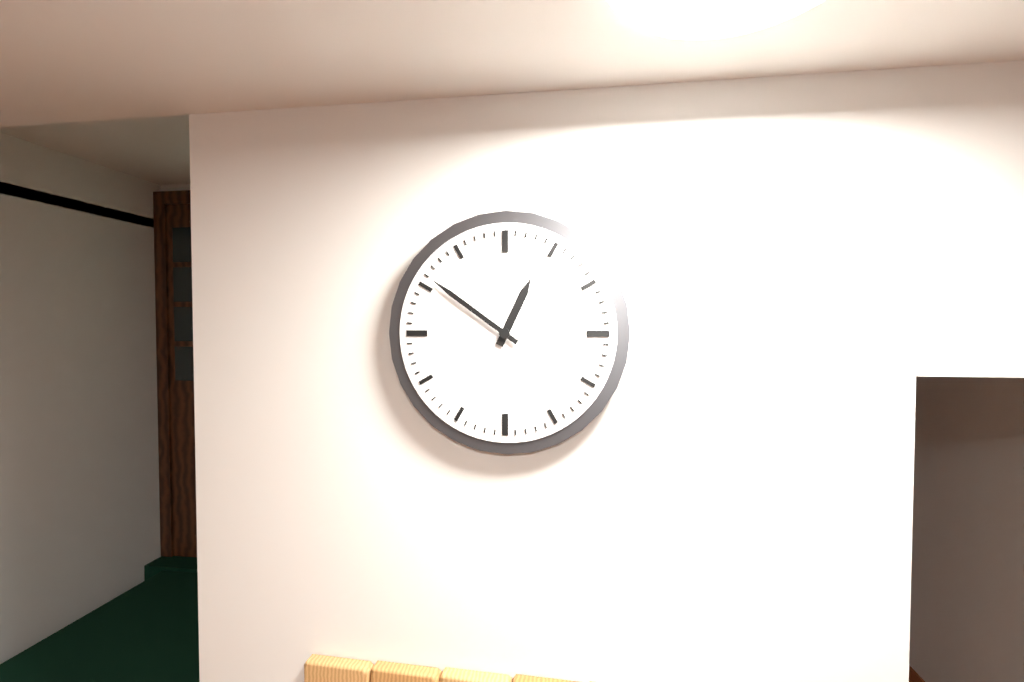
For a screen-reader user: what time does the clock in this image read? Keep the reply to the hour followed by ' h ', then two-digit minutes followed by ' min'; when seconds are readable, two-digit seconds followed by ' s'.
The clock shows 12 h 51 min
